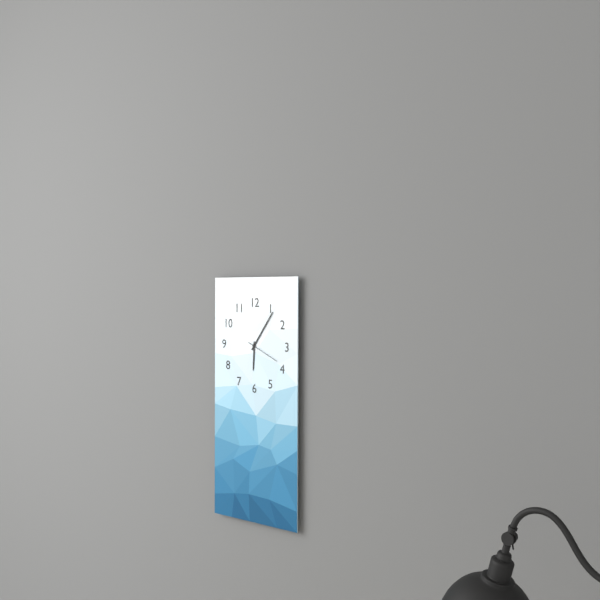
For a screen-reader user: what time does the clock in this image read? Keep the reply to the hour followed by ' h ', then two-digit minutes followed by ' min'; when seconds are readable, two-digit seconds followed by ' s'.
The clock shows 6 h 06 min
